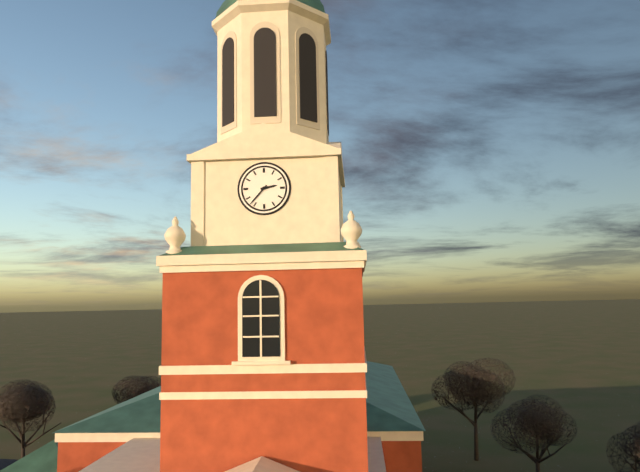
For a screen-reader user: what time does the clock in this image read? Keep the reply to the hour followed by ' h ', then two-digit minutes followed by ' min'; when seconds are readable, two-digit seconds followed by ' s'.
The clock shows 2 h 37 min
